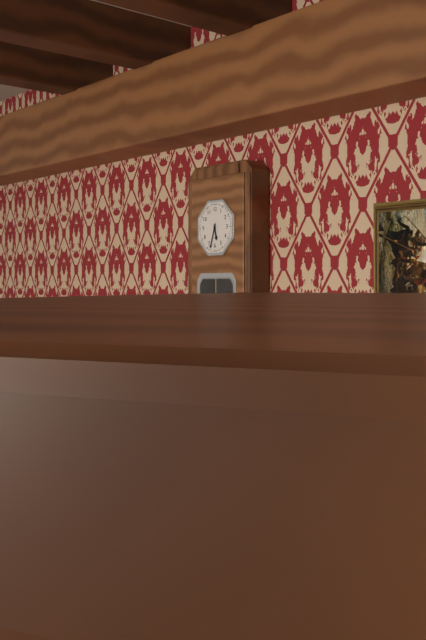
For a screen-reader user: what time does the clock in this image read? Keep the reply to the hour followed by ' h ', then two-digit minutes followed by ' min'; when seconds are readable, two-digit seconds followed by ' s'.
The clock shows 5 h 33 min
